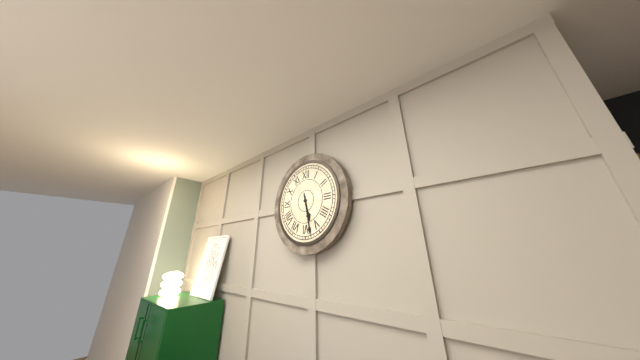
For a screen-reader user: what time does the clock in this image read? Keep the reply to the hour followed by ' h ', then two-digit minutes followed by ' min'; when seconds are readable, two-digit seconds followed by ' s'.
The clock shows 5 h 28 min
